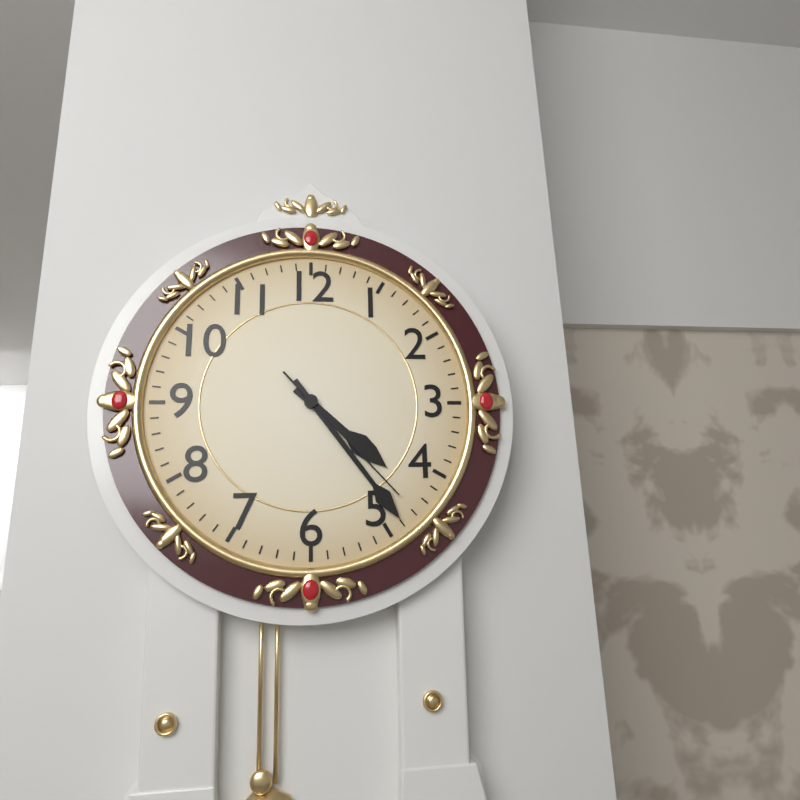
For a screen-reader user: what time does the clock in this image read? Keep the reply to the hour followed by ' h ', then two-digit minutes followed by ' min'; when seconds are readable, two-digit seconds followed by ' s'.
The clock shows 4 h 24 min 23 s
